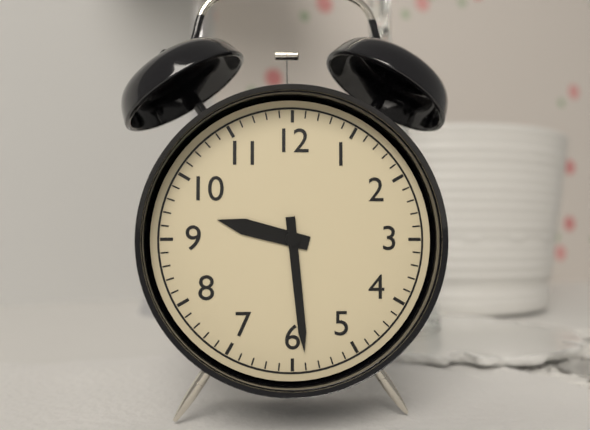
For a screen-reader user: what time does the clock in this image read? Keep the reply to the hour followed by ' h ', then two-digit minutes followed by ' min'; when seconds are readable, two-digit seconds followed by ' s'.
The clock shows 9 h 29 min
